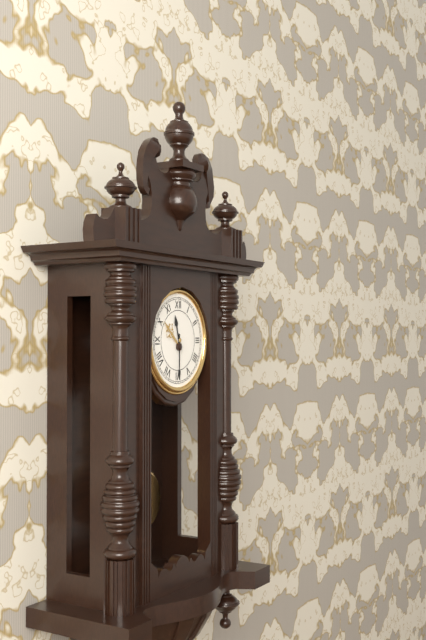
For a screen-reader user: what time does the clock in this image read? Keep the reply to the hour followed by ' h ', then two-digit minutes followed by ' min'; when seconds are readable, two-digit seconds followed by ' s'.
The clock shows 11 h 30 min
